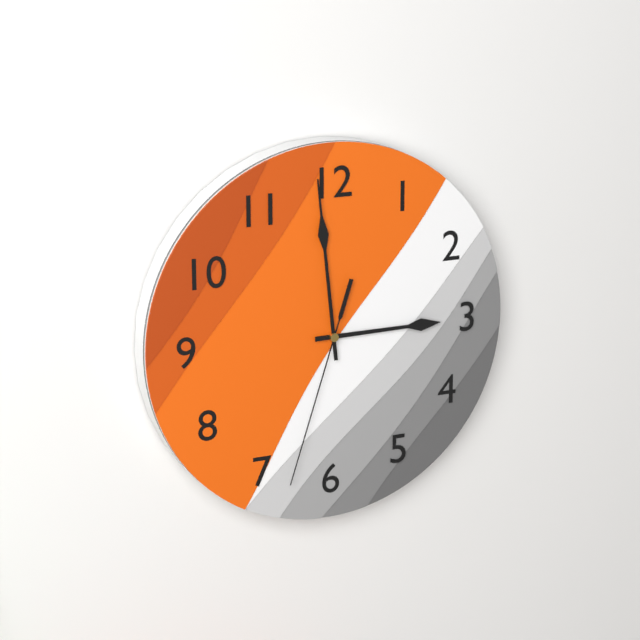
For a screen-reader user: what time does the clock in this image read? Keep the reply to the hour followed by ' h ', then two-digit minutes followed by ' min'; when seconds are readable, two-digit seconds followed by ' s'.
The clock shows 2 h 59 min 33 s
